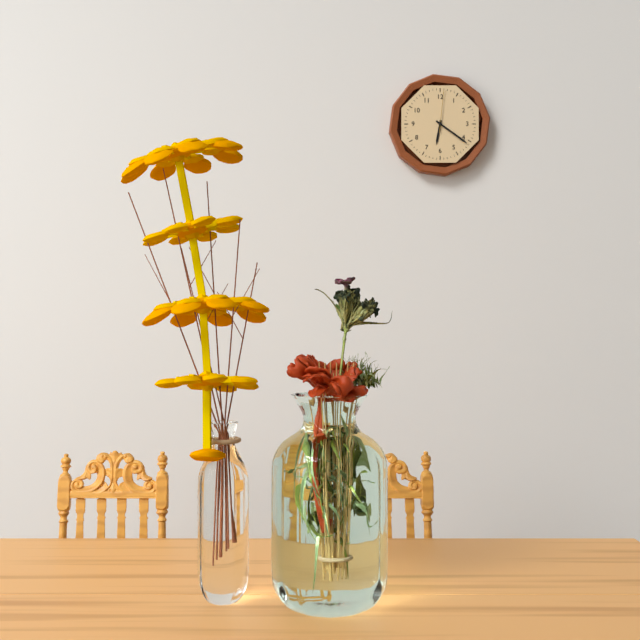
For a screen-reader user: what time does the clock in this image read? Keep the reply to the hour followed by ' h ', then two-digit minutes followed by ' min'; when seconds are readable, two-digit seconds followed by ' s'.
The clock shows 6 h 21 min
